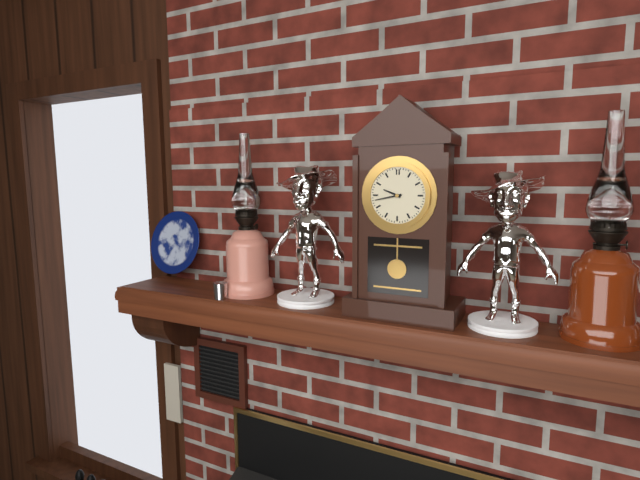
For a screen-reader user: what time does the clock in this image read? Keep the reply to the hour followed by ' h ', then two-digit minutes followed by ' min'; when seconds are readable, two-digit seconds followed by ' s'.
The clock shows 9 h 43 min
